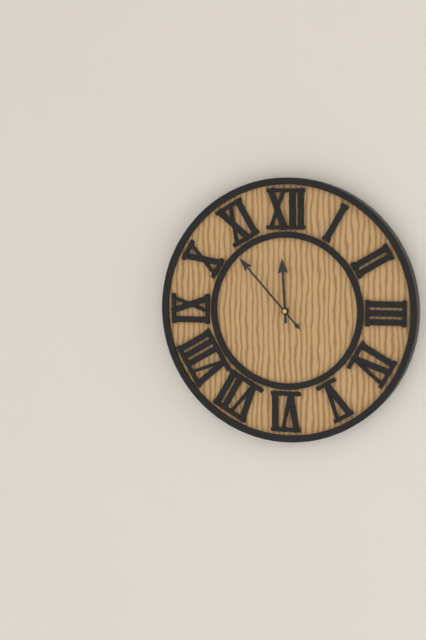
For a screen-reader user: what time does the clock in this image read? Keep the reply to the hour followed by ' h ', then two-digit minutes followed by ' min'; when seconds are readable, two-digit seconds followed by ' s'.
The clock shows 11 h 53 min
